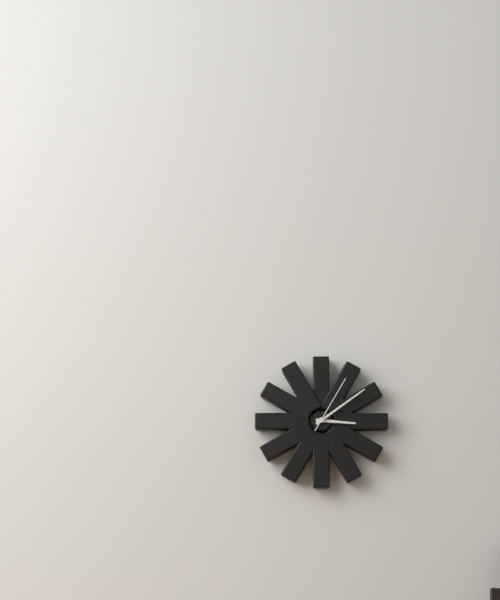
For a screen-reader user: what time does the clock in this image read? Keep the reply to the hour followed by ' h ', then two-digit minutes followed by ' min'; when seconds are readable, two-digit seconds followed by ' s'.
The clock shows 3 h 09 min 05 s
